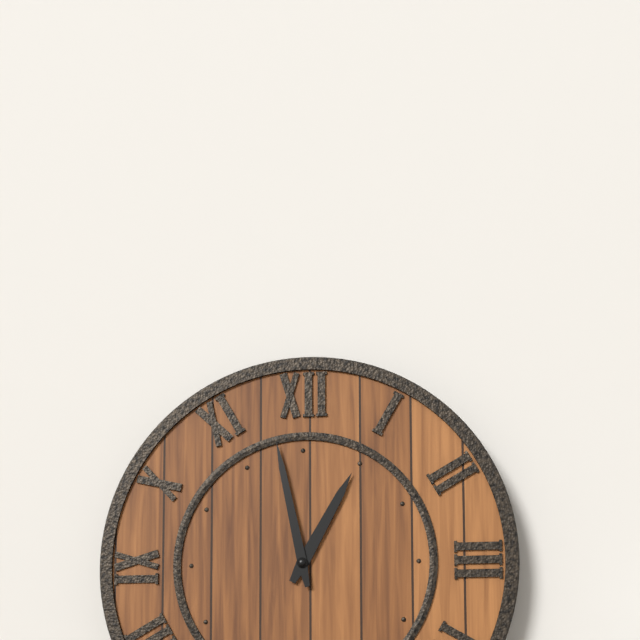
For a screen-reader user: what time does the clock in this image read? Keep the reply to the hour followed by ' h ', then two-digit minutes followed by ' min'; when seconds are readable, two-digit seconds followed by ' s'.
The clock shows 12 h 58 min
